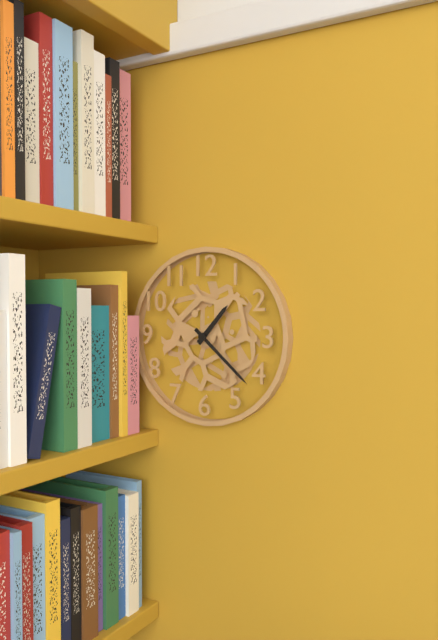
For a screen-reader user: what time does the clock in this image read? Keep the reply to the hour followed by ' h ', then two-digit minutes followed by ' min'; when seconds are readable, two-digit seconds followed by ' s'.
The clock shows 1 h 22 min
